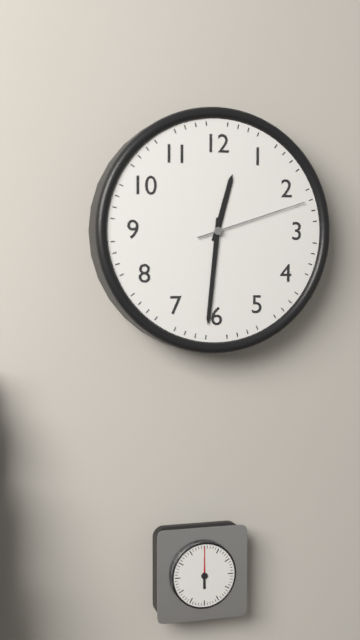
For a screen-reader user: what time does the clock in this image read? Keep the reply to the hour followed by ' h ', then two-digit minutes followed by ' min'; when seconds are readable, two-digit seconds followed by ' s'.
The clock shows 12 h 31 min 12 s
